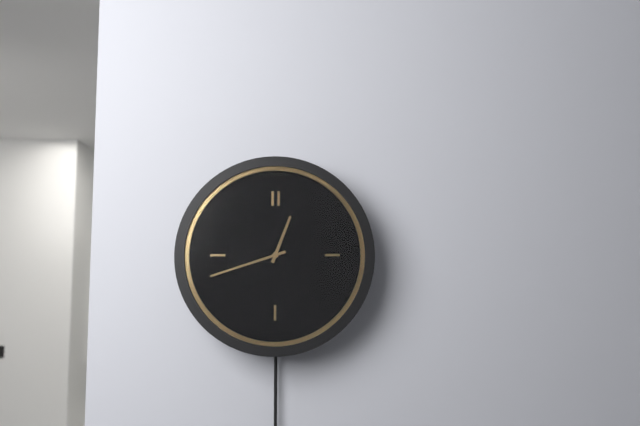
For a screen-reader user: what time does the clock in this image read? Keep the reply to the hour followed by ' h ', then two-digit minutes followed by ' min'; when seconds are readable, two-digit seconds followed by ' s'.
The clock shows 12 h 42 min
